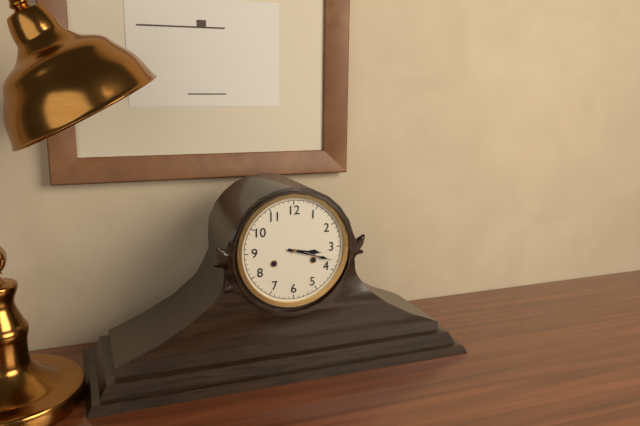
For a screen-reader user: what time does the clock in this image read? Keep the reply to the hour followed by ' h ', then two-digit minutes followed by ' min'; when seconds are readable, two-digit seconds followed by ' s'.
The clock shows 3 h 18 min
